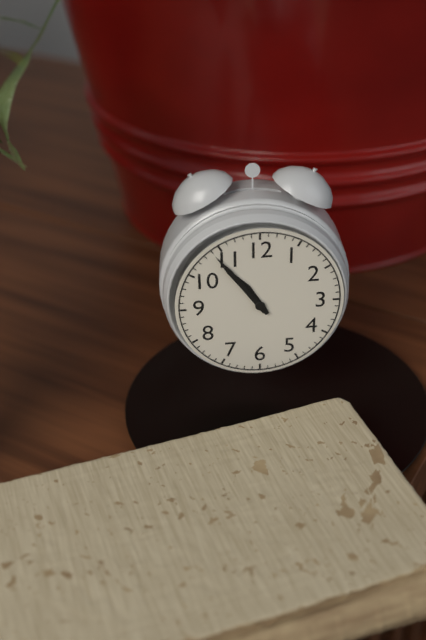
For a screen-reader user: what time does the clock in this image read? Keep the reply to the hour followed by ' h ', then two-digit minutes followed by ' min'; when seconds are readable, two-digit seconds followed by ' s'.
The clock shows 10 h 54 min
